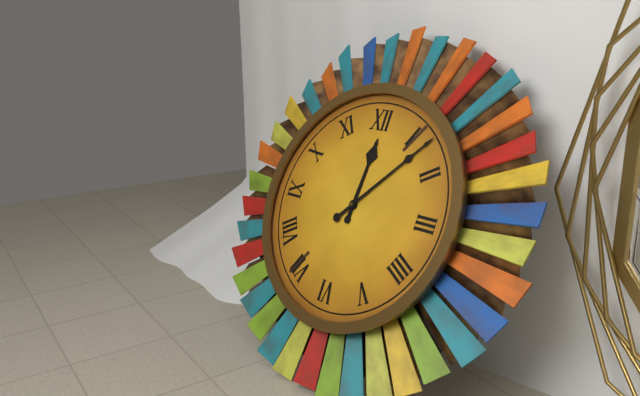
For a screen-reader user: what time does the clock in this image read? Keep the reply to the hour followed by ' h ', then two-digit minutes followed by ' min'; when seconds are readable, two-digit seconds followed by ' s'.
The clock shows 12 h 07 min
